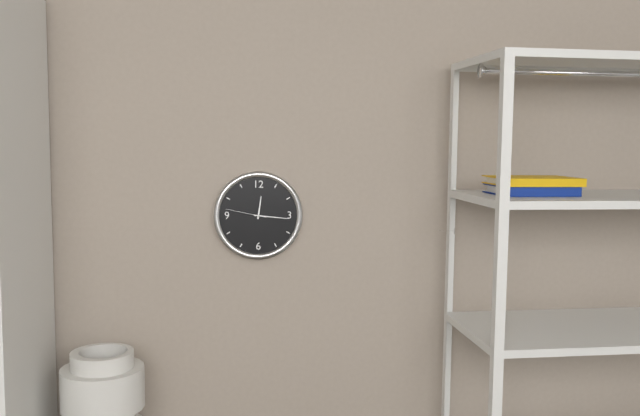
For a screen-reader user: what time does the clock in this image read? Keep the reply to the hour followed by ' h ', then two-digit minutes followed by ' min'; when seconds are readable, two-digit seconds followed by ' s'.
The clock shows 12 h 16 min
